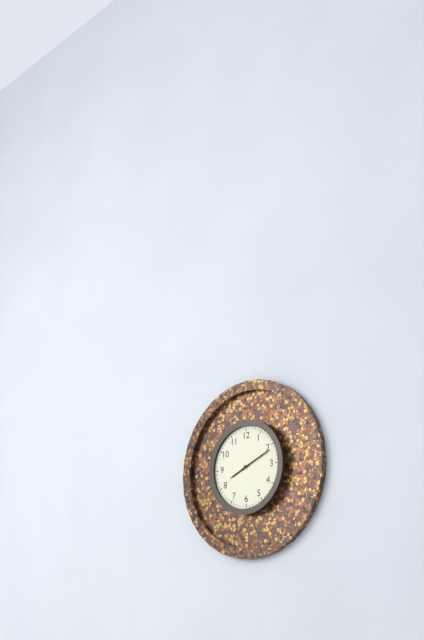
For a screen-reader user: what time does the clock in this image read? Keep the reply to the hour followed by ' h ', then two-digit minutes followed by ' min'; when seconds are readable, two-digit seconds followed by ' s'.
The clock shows 8 h 11 min
